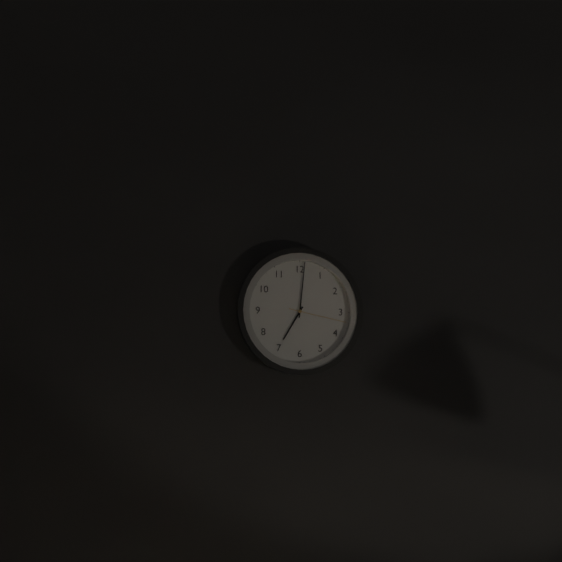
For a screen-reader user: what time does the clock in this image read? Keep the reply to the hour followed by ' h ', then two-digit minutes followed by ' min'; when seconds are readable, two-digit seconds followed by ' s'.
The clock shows 7 h 01 min 17 s
